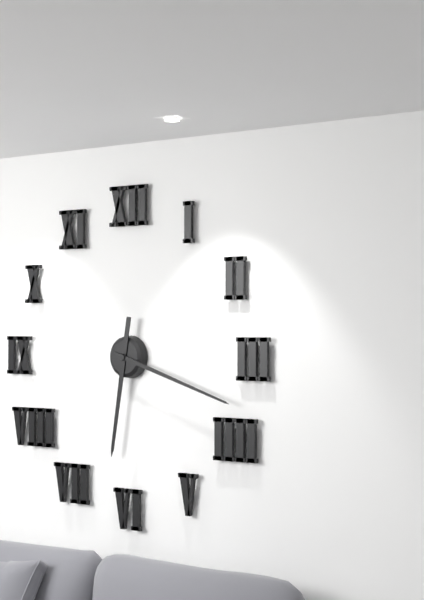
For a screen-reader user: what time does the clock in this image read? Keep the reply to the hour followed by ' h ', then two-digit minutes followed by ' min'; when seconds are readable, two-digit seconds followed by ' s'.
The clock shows 6 h 18 min
